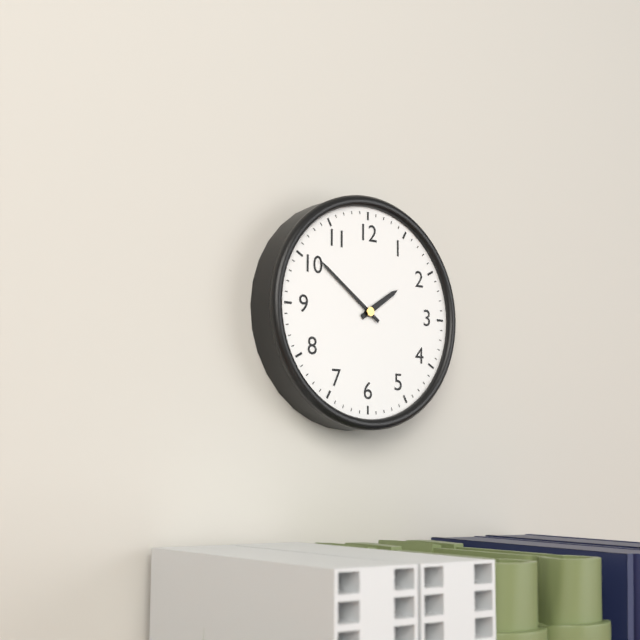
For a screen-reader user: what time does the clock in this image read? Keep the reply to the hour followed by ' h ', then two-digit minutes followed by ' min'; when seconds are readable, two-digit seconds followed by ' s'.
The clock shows 1 h 51 min
